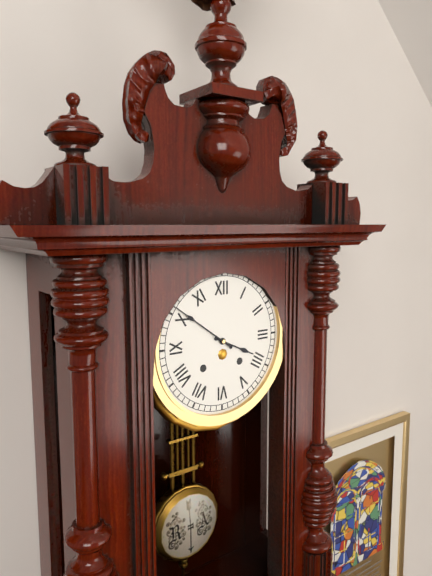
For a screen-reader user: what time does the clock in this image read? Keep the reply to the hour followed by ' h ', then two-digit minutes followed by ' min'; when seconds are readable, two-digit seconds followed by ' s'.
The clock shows 3 h 51 min
